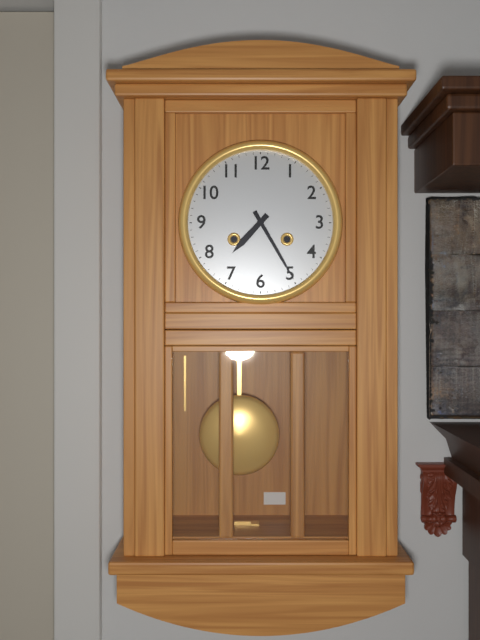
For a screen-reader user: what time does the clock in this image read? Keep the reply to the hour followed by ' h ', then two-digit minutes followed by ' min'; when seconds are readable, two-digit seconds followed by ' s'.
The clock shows 7 h 25 min
